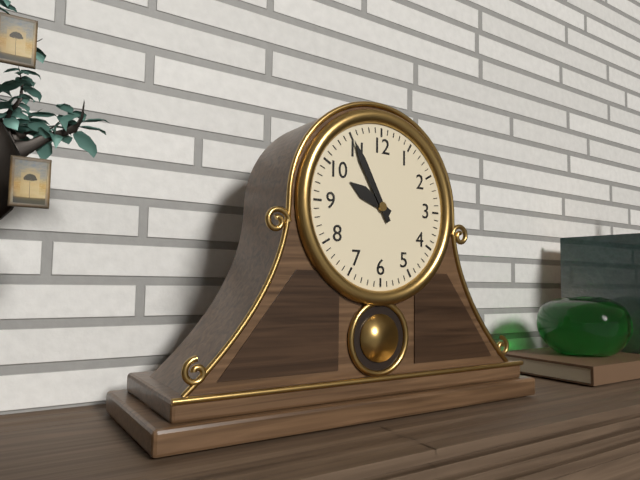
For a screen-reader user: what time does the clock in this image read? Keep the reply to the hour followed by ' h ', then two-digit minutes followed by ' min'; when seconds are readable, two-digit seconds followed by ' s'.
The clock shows 9 h 55 min
